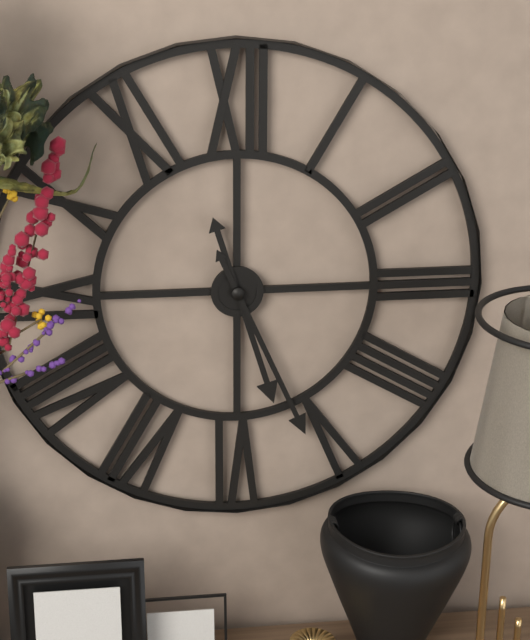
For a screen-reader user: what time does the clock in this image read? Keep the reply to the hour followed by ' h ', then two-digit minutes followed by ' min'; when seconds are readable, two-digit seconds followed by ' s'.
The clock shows 5 h 26 min
